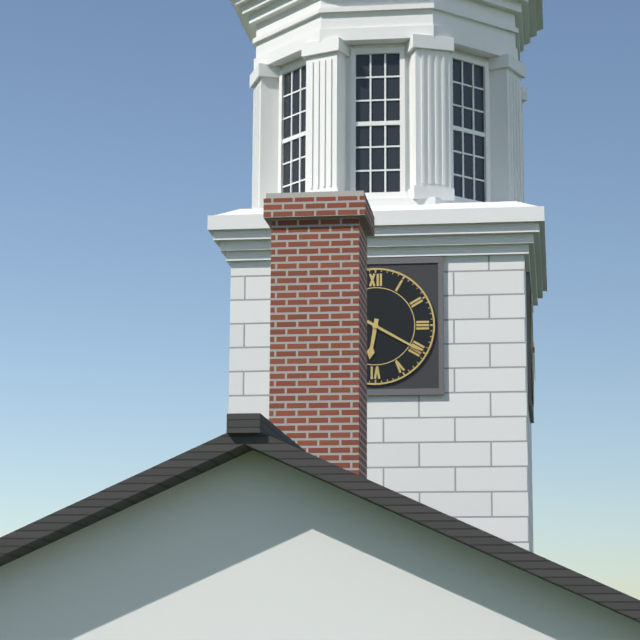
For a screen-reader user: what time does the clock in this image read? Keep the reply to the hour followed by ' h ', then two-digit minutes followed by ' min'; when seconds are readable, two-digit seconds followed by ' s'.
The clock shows 6 h 20 min
